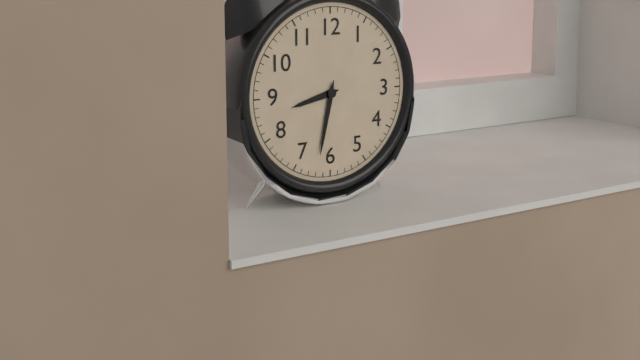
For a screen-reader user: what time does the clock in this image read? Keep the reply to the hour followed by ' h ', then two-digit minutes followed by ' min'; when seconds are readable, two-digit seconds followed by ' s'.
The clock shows 8 h 32 min
